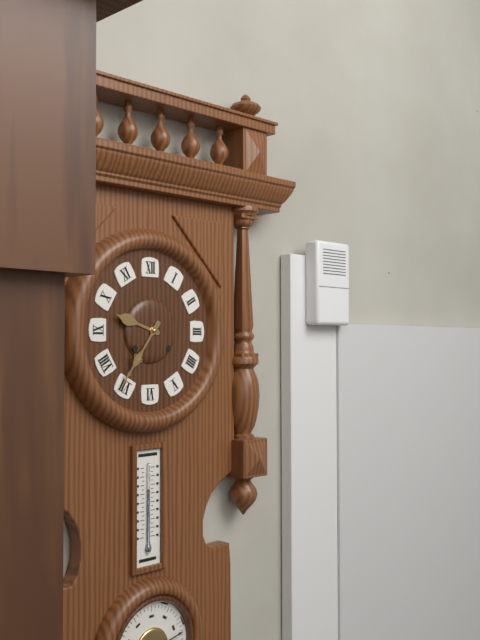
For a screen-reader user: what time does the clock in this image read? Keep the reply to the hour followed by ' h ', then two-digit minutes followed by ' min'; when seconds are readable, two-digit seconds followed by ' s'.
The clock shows 9 h 36 min
